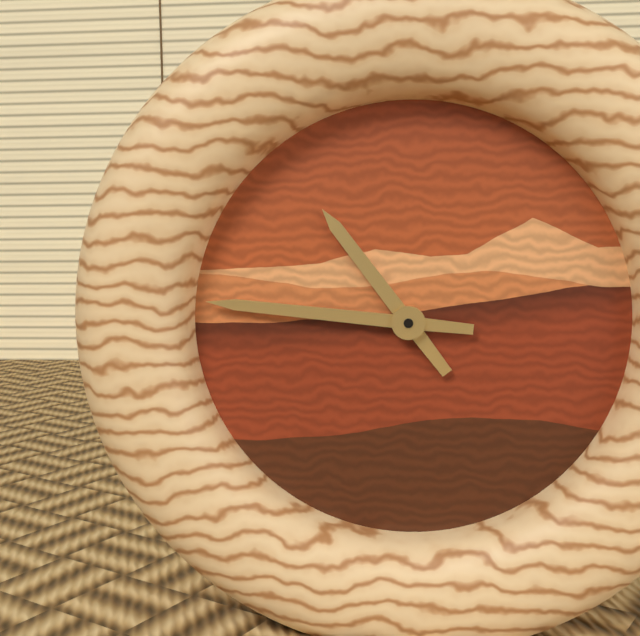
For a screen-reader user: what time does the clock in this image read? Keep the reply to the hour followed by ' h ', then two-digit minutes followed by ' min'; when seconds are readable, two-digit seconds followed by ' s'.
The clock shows 10 h 46 min
